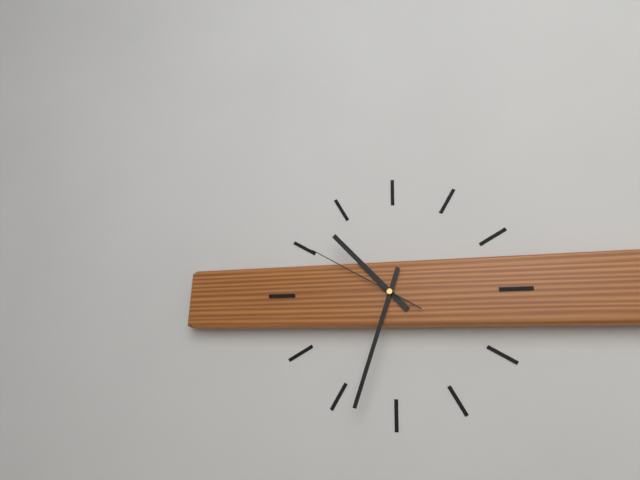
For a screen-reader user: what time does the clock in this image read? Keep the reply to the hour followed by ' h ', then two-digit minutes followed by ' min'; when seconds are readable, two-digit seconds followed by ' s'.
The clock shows 10 h 33 min 50 s
